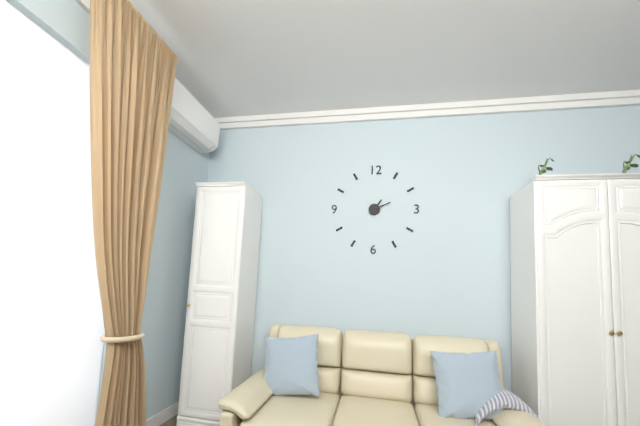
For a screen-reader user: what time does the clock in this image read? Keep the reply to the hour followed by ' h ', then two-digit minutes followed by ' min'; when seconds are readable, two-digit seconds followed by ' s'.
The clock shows 1 h 11 min
